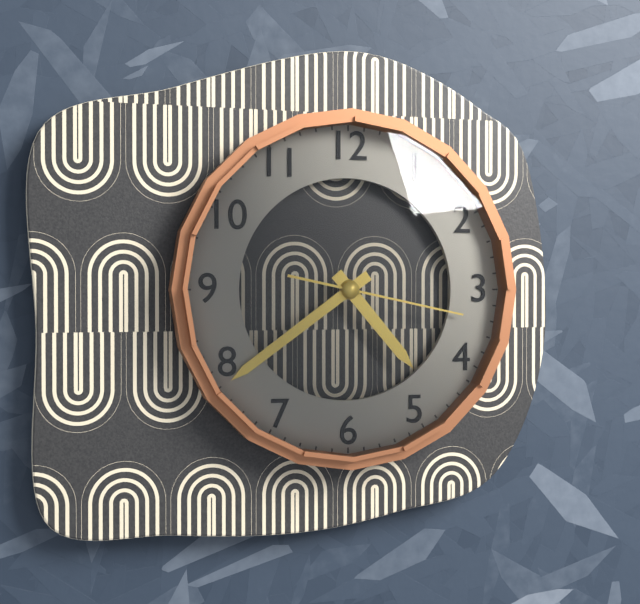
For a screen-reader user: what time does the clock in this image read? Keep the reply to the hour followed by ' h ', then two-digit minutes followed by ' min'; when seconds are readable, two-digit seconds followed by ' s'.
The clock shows 4 h 39 min 17 s
